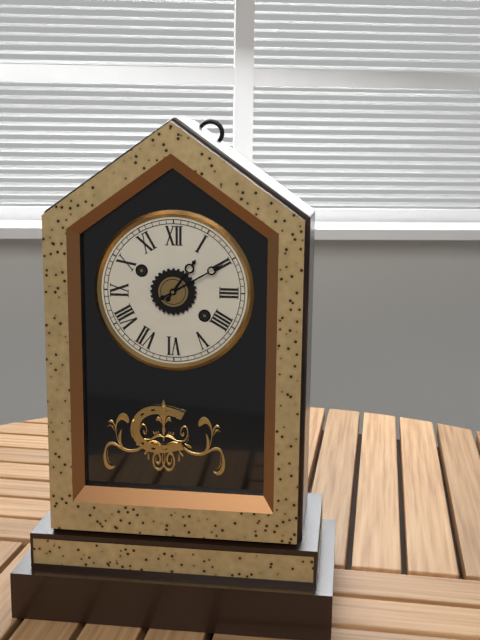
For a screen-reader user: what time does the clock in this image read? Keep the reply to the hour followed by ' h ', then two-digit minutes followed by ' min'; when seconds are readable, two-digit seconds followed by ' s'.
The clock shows 1 h 10 min
